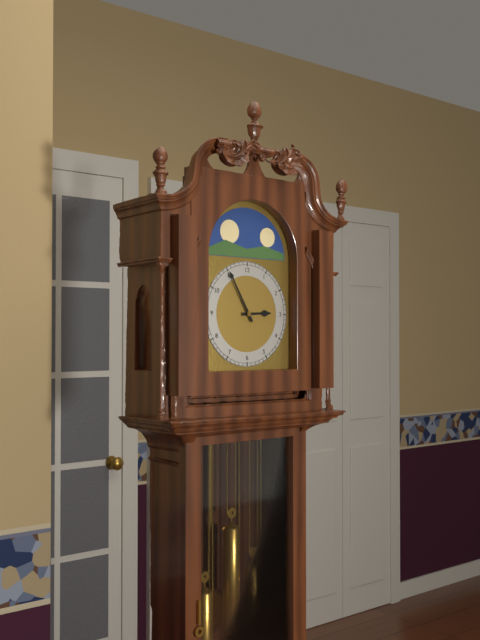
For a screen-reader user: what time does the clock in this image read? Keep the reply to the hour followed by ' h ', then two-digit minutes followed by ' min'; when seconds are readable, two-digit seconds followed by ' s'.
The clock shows 2 h 55 min
